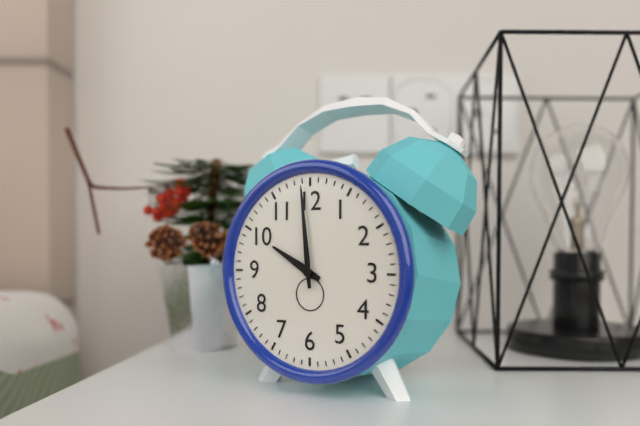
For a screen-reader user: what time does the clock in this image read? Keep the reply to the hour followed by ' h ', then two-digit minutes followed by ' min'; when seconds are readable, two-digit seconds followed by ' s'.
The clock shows 9 h 59 min
